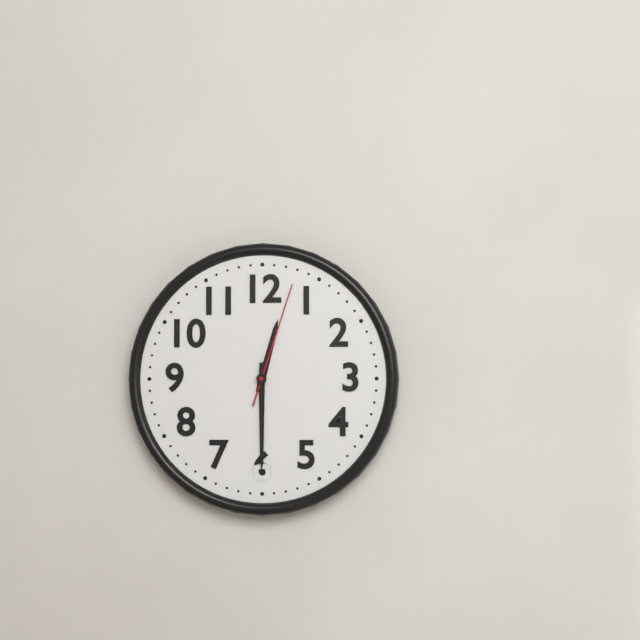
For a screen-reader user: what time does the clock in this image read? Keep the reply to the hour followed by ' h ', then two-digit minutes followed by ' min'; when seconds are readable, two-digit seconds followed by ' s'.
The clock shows 12 h 30 min 03 s
